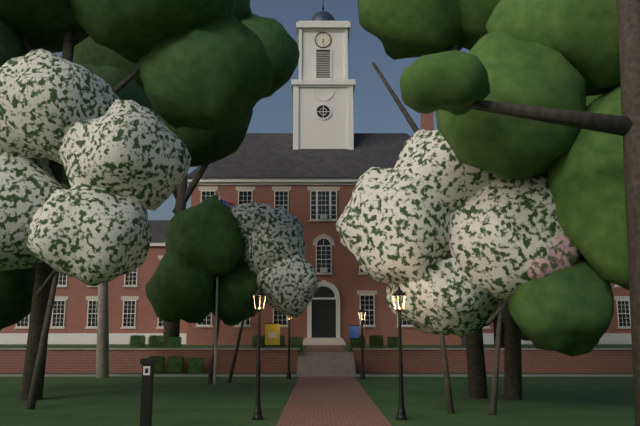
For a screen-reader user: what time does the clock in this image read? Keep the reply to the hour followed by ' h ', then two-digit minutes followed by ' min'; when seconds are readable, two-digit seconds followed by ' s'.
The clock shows 6 h 28 min
